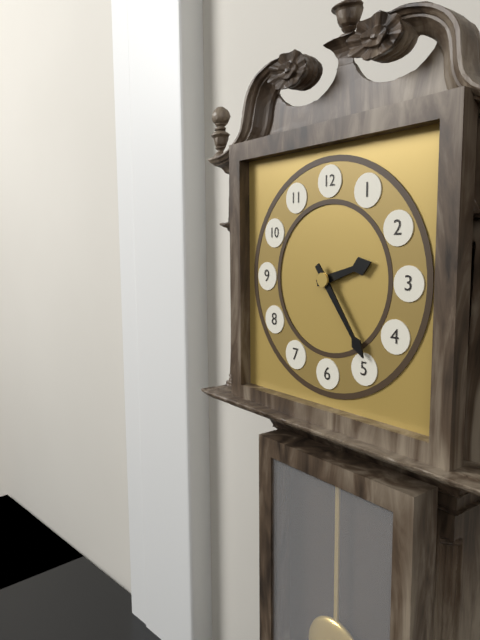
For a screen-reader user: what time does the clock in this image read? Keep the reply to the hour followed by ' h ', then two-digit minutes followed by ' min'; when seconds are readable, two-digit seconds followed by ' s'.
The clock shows 2 h 24 min
